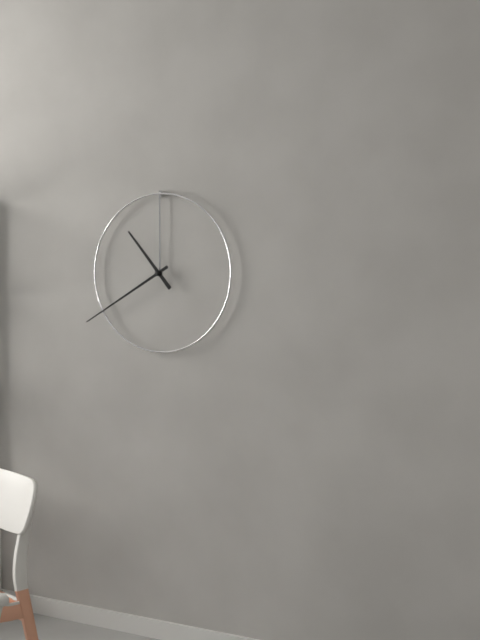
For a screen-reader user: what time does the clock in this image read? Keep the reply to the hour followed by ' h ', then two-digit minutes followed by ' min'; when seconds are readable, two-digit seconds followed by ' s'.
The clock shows 10 h 40 min
